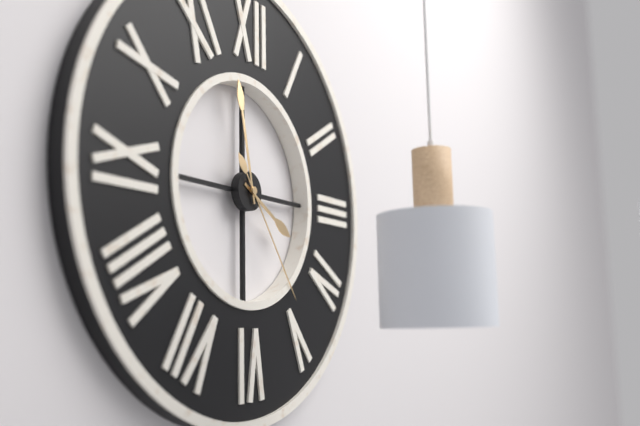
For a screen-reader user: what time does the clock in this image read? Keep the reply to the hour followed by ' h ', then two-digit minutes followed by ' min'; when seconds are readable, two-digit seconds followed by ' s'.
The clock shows 3 h 58 min 24 s
